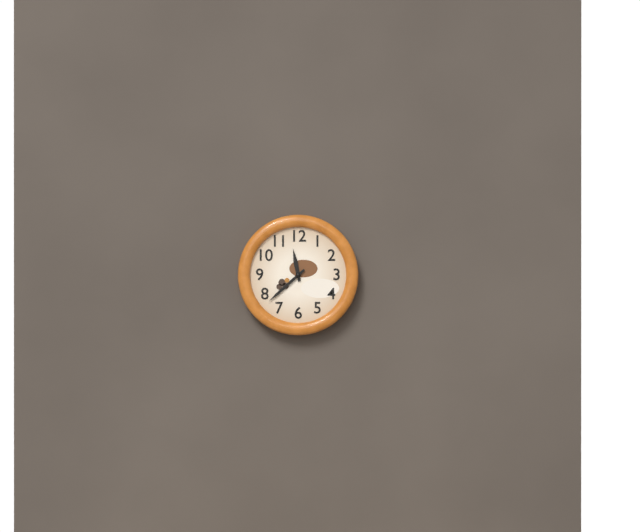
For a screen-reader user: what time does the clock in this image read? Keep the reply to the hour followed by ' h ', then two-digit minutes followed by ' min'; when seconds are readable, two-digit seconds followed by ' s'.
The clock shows 11 h 38 min
